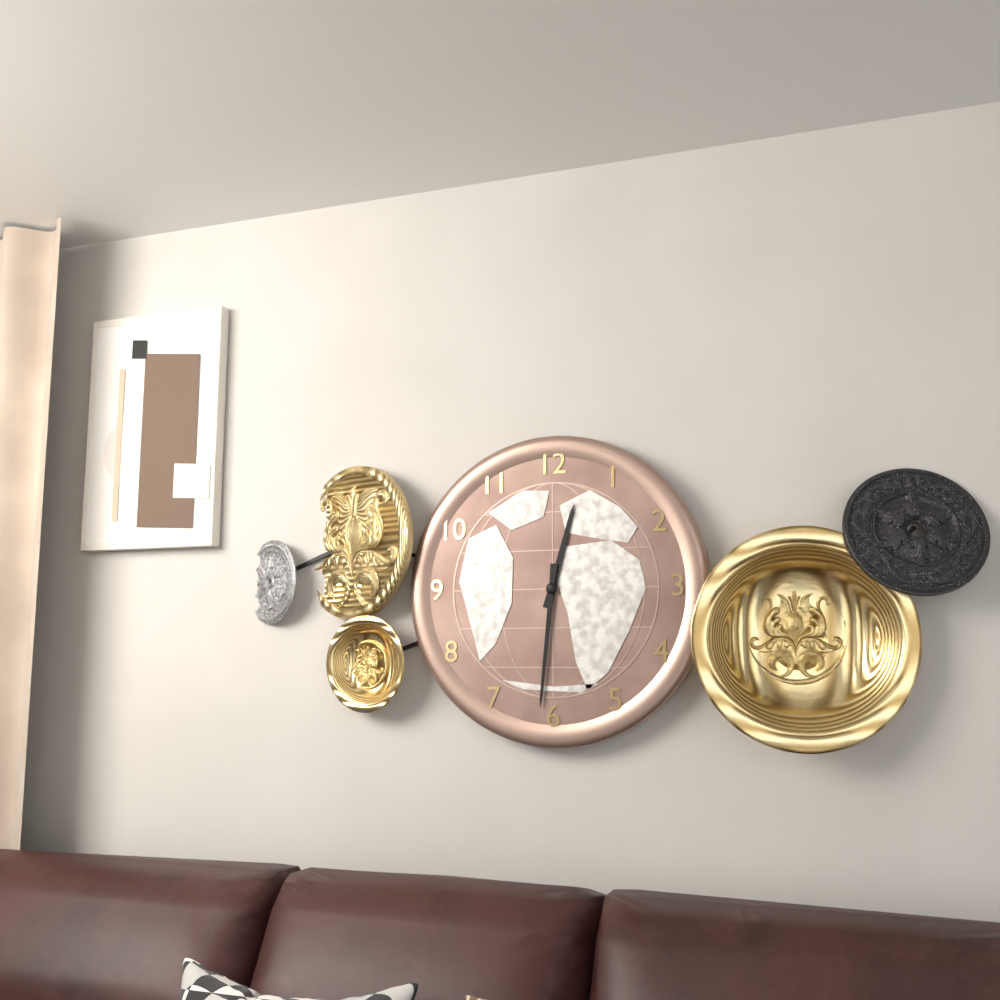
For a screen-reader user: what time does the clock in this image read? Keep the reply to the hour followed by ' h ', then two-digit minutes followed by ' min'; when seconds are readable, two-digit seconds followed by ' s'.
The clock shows 12 h 31 min
